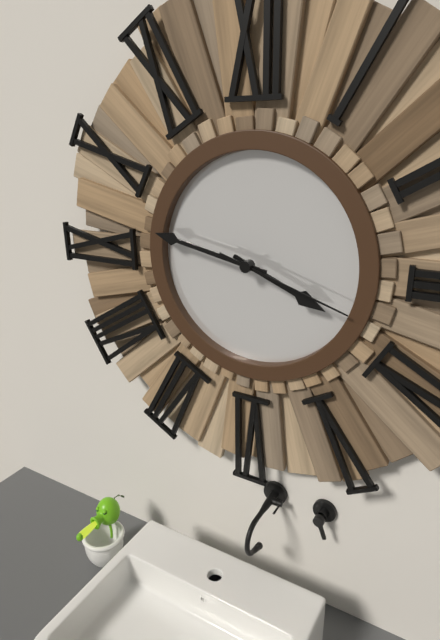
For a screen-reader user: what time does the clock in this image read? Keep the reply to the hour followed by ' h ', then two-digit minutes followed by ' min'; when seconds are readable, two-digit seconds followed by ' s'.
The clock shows 3 h 47 min 18 s
